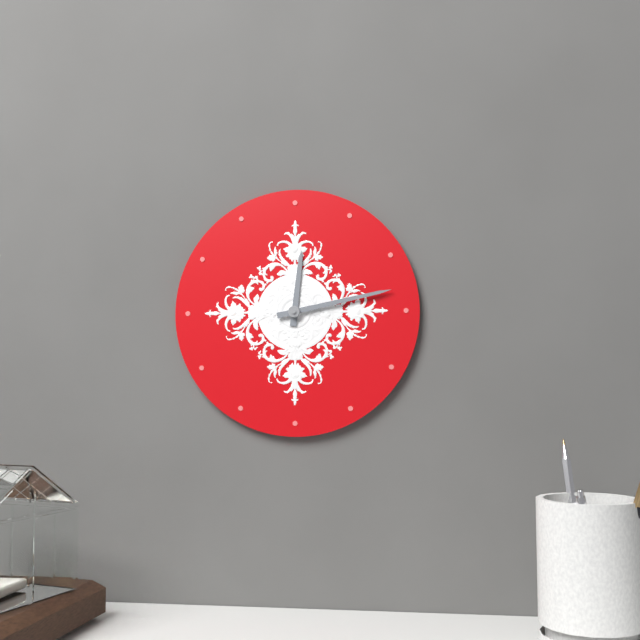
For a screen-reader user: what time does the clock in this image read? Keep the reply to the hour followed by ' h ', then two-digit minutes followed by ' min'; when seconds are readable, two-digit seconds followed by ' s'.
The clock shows 12 h 13 min
